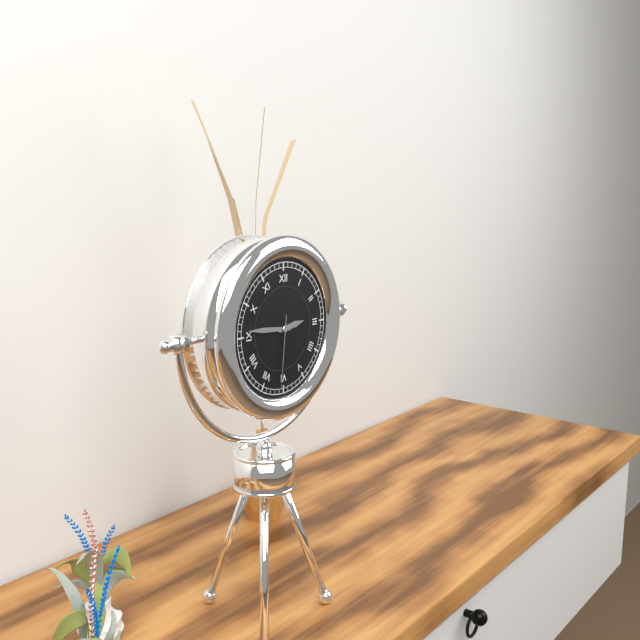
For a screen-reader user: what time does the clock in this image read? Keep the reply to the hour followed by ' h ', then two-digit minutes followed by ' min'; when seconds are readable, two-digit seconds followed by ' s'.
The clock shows 2 h 46 min 31 s
